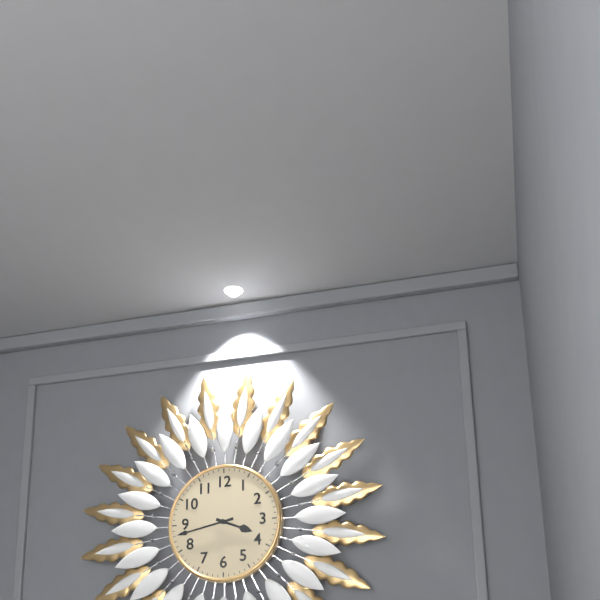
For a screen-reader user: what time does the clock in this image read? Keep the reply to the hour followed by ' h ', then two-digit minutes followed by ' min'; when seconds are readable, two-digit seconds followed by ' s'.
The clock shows 3 h 43 min
